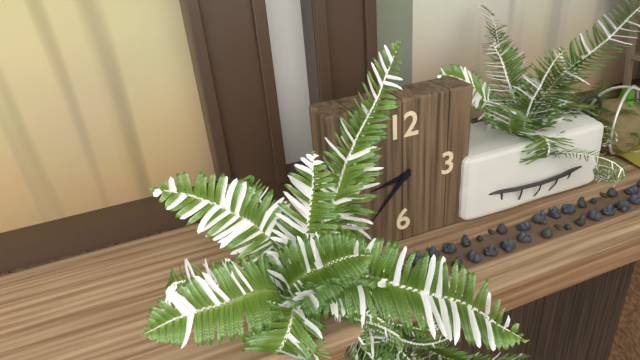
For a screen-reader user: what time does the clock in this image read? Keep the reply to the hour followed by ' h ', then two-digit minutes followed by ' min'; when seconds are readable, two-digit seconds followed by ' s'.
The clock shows 8 h 37 min
